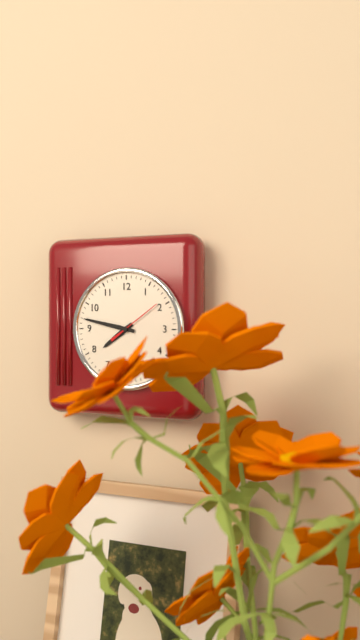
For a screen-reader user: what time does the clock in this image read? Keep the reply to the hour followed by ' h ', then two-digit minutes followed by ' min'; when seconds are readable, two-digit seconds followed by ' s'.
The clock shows 7 h 47 min
